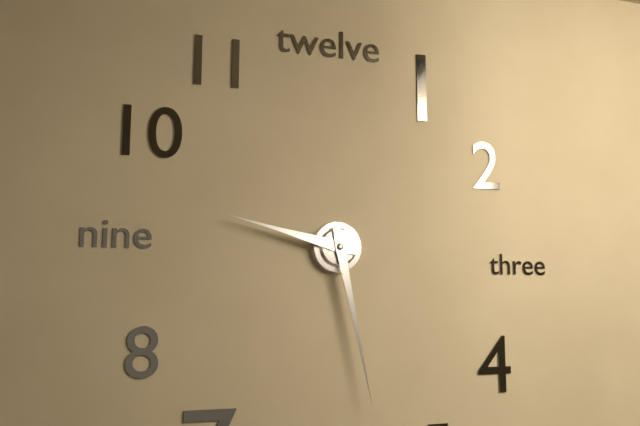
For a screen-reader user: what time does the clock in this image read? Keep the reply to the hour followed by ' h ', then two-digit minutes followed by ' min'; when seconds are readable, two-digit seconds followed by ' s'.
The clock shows 9 h 28 min
